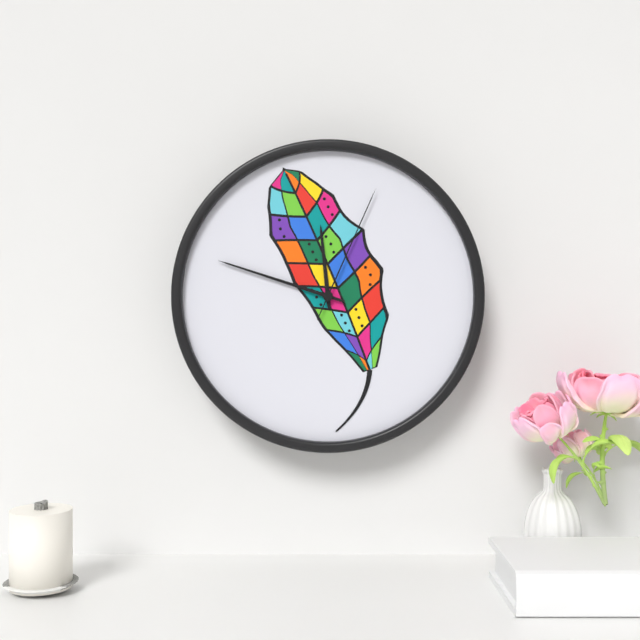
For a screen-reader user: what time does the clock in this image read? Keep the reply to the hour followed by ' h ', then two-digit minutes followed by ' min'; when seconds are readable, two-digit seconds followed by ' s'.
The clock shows 11 h 48 min 04 s
